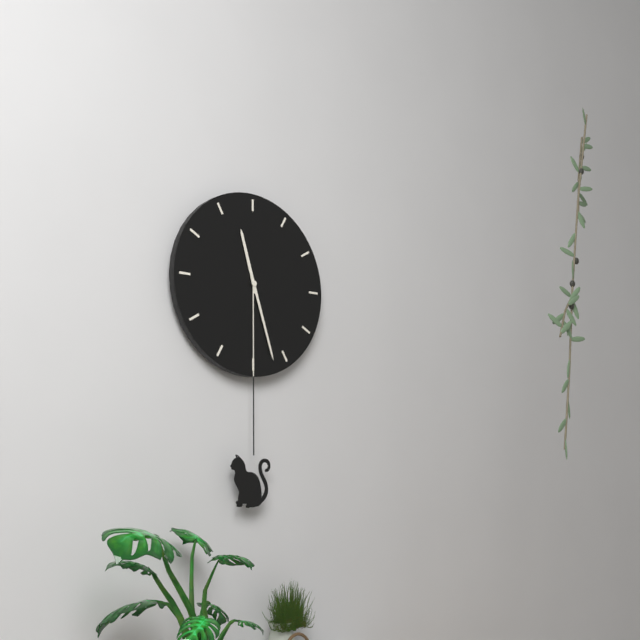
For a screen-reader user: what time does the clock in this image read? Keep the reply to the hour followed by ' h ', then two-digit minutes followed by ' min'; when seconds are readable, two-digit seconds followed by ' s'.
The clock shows 11 h 27 min
